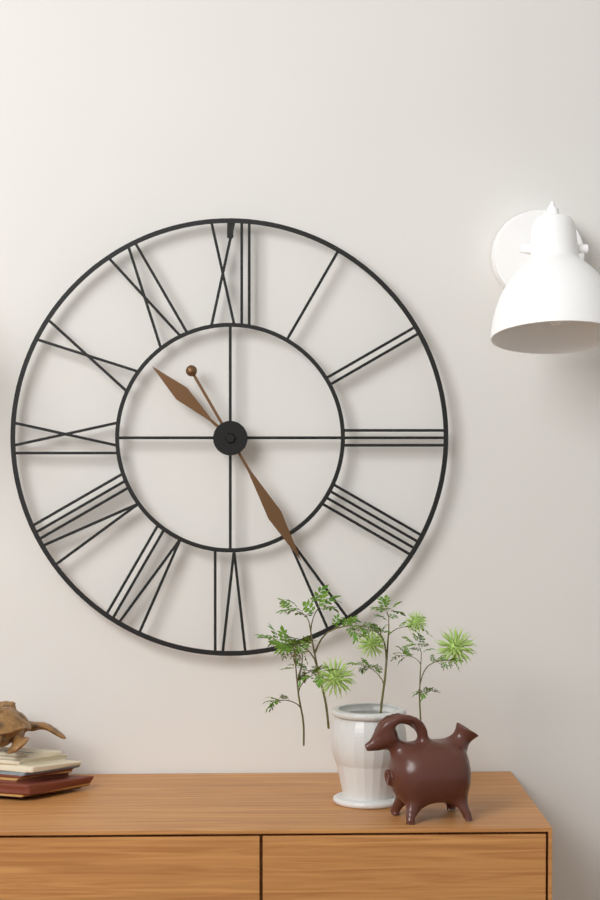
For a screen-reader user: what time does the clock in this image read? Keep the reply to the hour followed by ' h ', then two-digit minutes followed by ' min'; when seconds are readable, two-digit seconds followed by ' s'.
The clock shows 10 h 25 min
